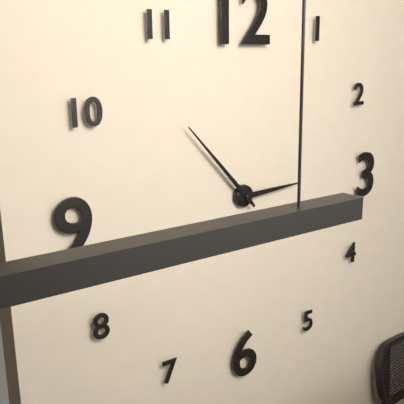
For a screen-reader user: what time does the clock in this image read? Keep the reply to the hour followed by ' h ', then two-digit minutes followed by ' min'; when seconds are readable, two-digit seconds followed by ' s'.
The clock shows 2 h 53 min
